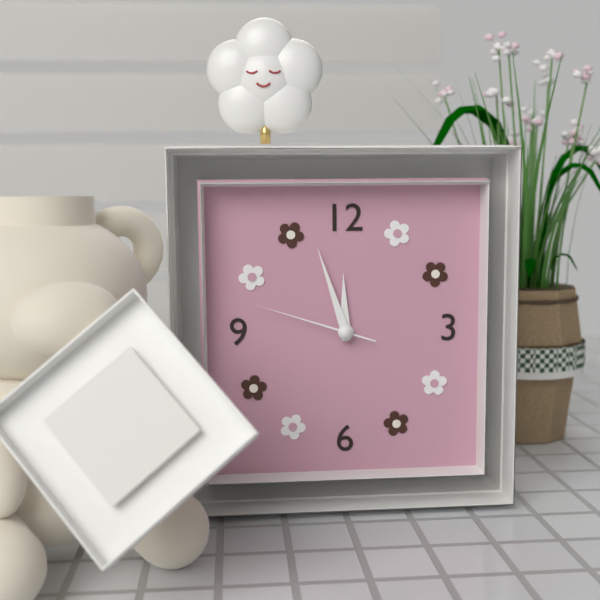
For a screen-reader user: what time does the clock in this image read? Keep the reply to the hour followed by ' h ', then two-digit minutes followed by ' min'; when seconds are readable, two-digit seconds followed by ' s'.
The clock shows 11 h 57 min 48 s
